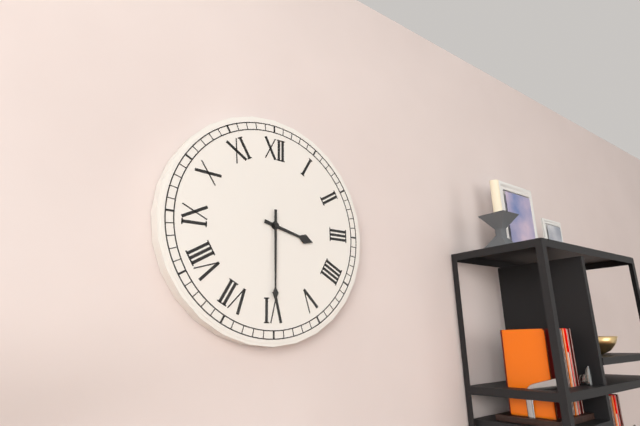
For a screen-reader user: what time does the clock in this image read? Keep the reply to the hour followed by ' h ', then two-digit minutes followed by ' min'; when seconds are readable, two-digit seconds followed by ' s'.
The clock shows 3 h 30 min
